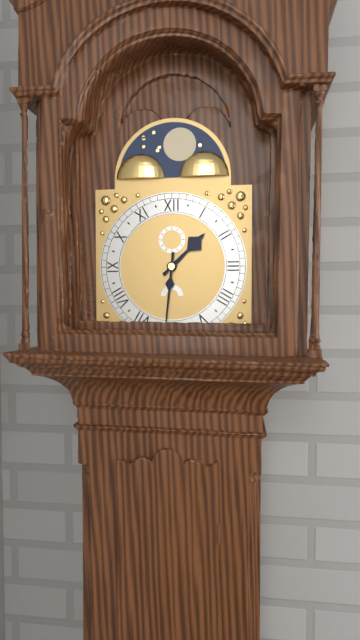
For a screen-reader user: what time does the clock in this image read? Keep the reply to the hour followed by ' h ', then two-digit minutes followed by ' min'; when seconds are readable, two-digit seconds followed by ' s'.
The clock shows 1 h 31 min
